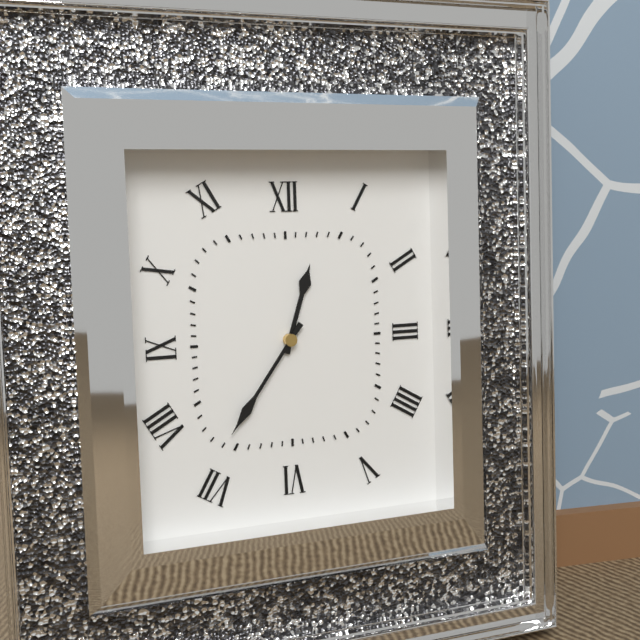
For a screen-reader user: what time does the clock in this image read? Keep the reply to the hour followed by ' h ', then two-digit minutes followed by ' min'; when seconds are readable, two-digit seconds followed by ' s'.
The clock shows 12 h 36 min
